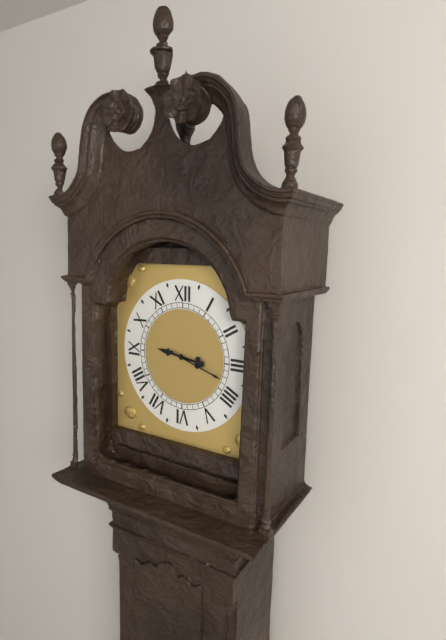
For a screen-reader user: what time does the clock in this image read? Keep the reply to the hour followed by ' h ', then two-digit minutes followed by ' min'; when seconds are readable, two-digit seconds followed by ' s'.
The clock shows 9 h 18 min
